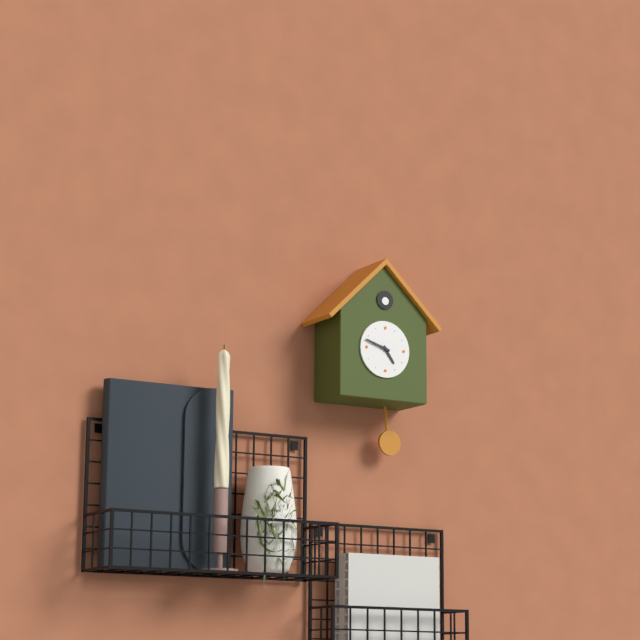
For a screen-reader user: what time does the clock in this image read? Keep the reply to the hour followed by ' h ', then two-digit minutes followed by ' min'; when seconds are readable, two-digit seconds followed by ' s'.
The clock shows 4 h 48 min
